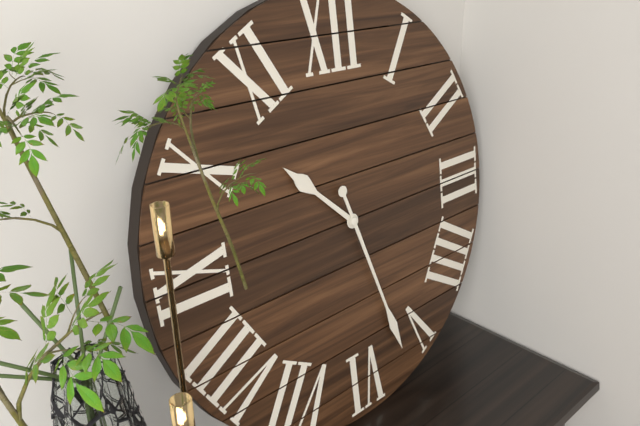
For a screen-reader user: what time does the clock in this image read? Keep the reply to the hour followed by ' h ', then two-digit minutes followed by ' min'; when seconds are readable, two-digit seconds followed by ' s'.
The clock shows 10 h 27 min
